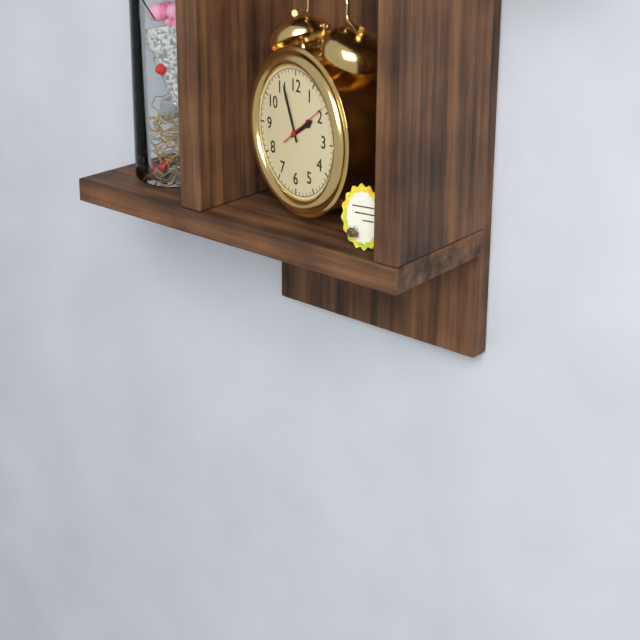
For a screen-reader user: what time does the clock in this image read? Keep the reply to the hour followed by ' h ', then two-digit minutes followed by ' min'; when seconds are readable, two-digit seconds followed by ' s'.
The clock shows 1 h 56 min
